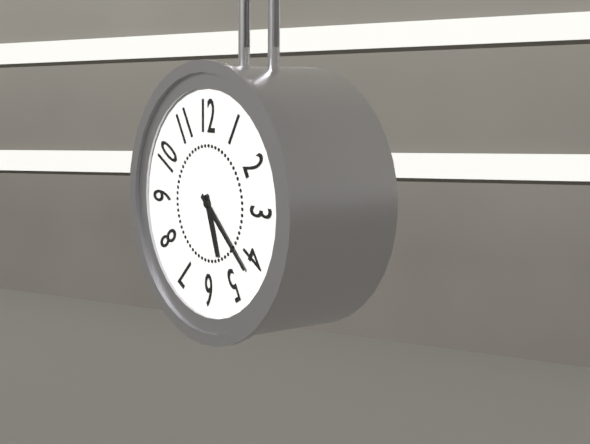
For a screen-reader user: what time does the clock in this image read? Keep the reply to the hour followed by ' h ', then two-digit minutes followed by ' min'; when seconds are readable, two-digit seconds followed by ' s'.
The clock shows 5 h 22 min
